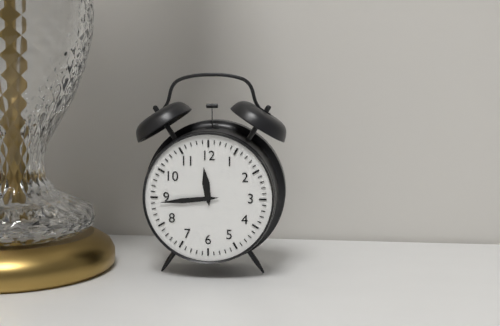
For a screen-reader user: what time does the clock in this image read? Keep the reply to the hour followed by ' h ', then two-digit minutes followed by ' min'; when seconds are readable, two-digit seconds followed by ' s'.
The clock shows 11 h 44 min
